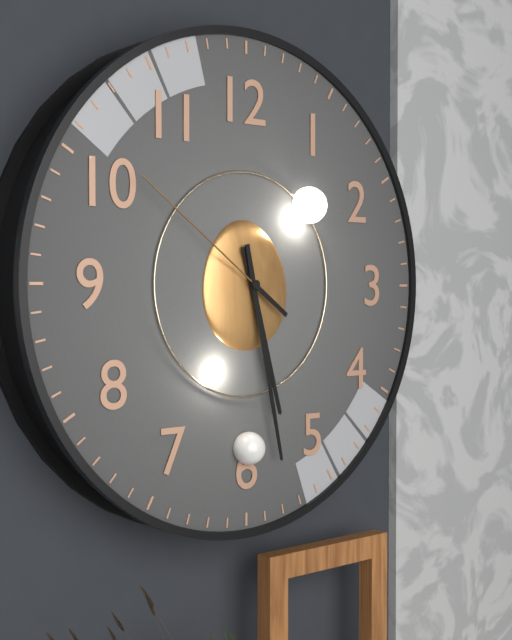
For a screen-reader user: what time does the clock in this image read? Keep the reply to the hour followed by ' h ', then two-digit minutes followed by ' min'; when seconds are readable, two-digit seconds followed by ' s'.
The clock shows 5 h 28 min 51 s
